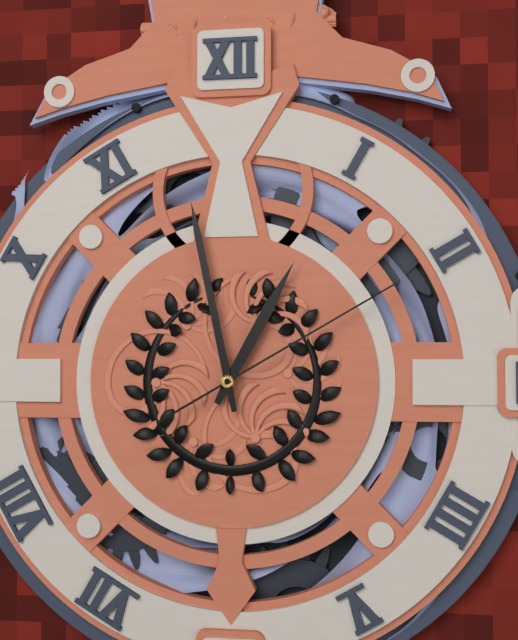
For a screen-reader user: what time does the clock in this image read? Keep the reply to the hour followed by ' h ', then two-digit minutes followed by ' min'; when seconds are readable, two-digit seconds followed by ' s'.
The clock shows 12 h 58 min 10 s
